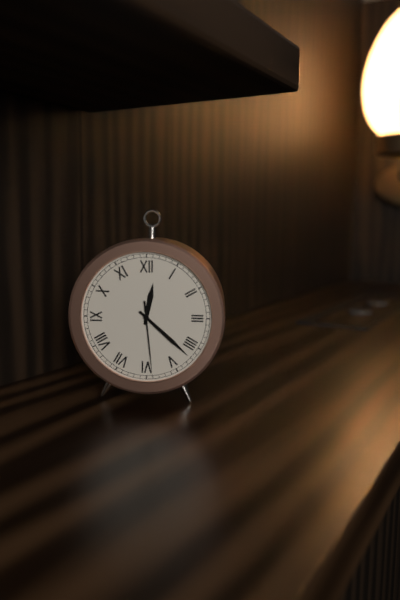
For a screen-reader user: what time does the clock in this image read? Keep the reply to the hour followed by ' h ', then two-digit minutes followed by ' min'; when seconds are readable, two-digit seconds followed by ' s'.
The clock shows 12 h 22 min 29 s
